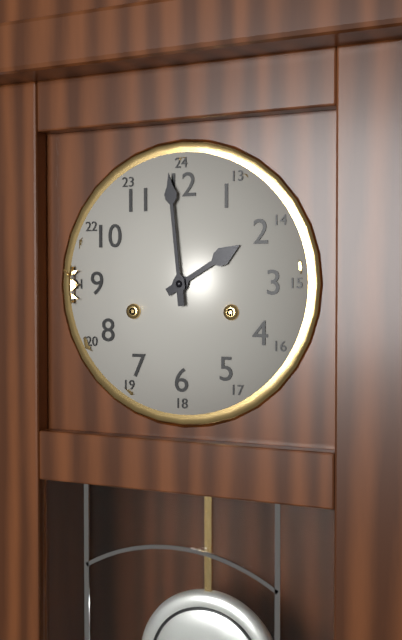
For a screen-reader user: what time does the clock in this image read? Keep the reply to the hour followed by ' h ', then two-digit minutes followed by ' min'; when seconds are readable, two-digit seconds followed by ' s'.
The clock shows 1 h 59 min
